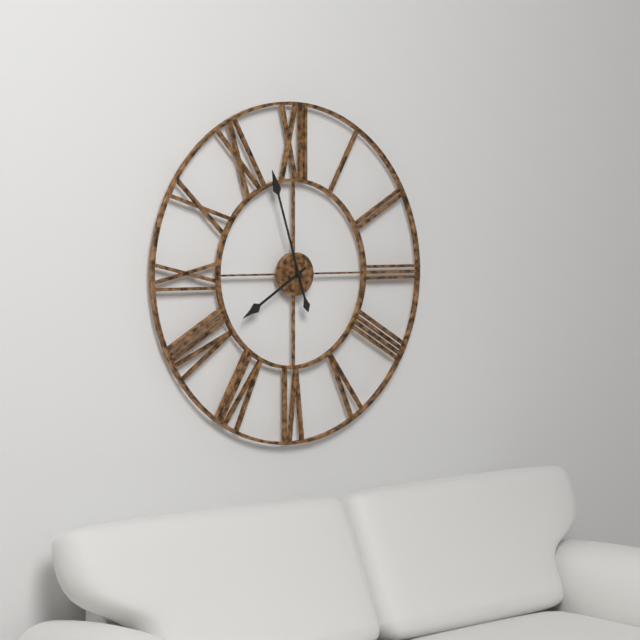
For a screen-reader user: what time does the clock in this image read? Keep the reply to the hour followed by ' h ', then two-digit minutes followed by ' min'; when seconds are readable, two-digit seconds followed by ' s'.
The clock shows 7 h 57 min
